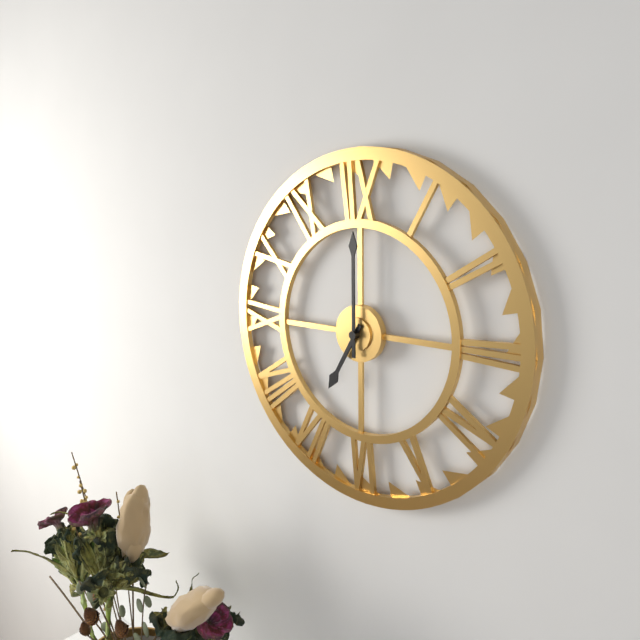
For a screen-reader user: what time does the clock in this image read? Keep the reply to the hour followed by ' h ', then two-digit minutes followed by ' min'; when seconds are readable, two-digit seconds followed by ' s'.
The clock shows 7 h 00 min
